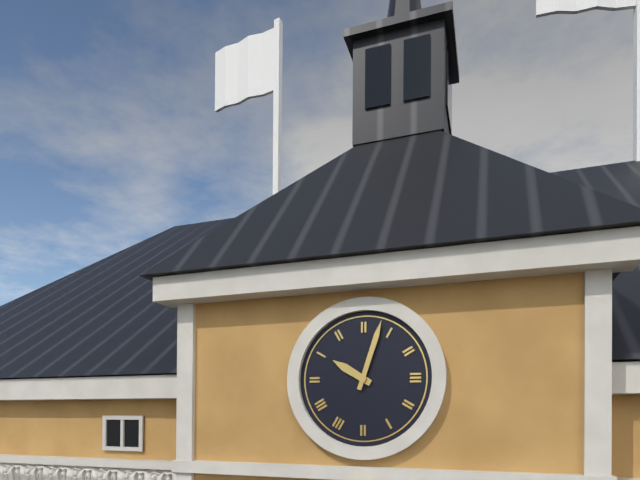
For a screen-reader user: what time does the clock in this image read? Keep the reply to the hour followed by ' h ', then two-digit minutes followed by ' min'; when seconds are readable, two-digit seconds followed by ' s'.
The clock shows 10 h 03 min
